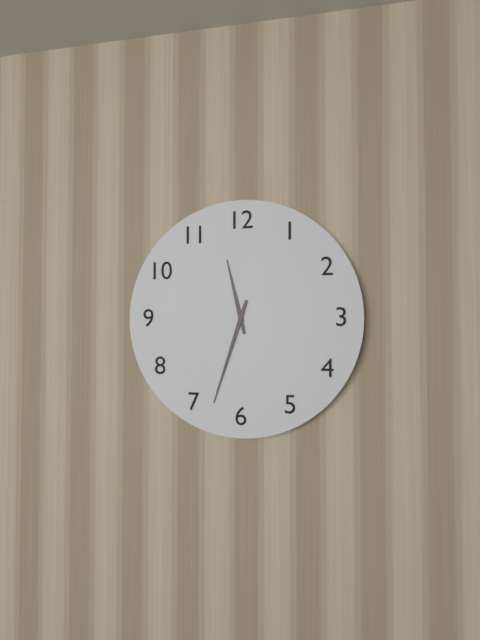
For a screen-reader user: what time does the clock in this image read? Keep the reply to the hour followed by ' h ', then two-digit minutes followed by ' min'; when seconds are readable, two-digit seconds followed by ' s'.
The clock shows 11 h 33 min
